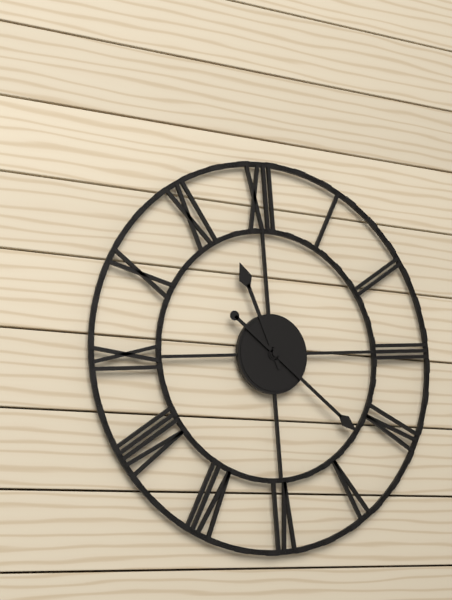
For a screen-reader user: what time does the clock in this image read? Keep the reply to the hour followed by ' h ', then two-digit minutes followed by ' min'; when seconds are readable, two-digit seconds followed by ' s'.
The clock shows 11 h 22 min
